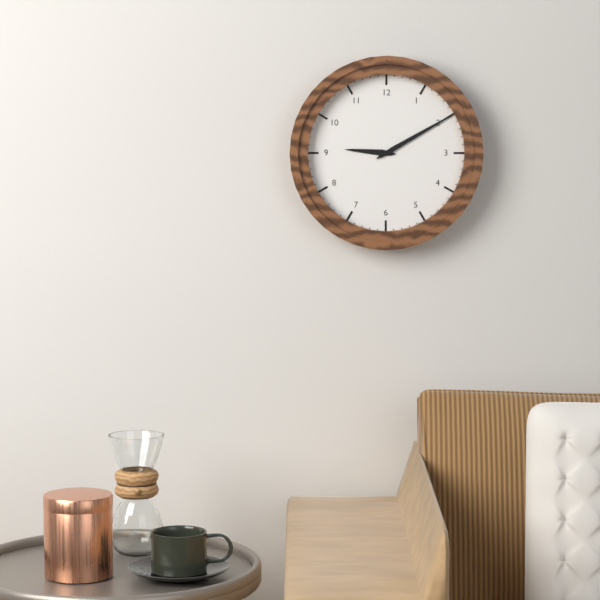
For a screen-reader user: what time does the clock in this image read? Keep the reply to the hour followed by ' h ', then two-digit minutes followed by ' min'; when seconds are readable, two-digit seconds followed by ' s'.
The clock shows 9 h 10 min
